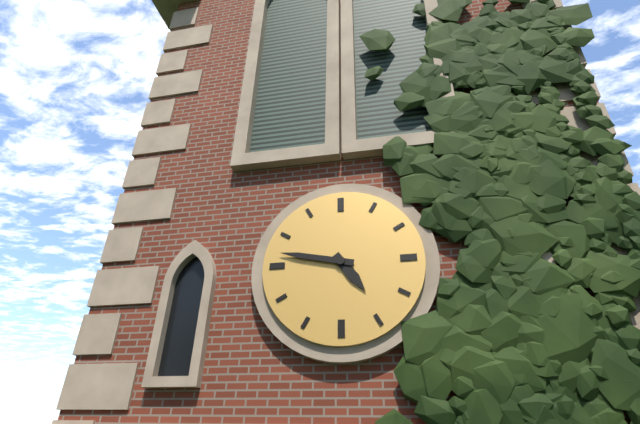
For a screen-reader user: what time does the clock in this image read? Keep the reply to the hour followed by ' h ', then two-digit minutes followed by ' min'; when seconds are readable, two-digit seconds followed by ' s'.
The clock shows 4 h 47 min
